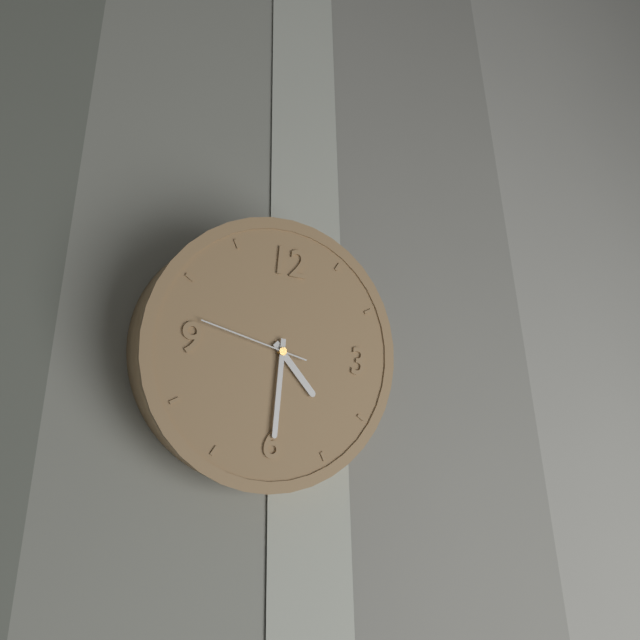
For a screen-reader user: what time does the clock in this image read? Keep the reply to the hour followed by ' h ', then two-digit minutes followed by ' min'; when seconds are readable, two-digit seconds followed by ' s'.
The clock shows 4 h 30 min 47 s
